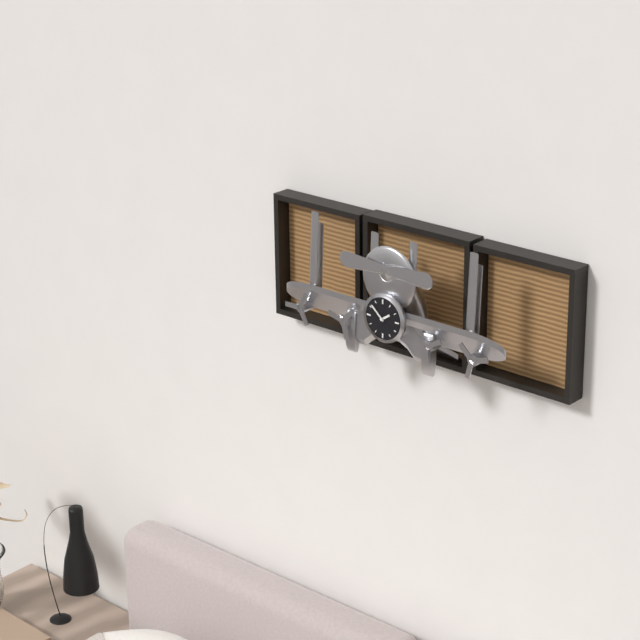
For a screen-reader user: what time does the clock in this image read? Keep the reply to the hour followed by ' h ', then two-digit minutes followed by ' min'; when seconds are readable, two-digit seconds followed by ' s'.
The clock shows 1 h 52 min
